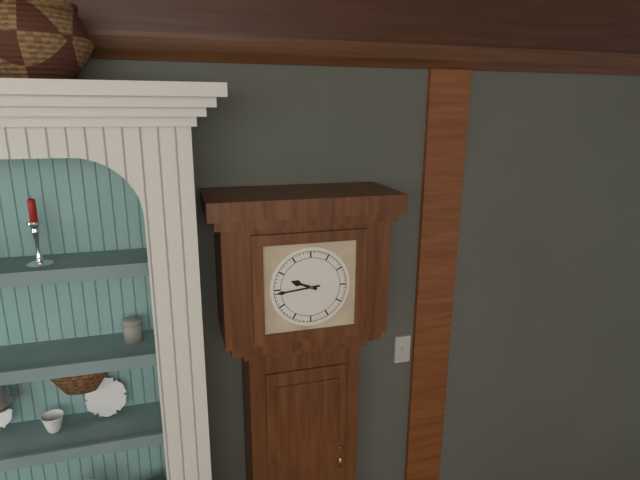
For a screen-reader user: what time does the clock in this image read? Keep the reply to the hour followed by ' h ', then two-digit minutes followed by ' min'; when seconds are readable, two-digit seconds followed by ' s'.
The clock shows 9 h 44 min
